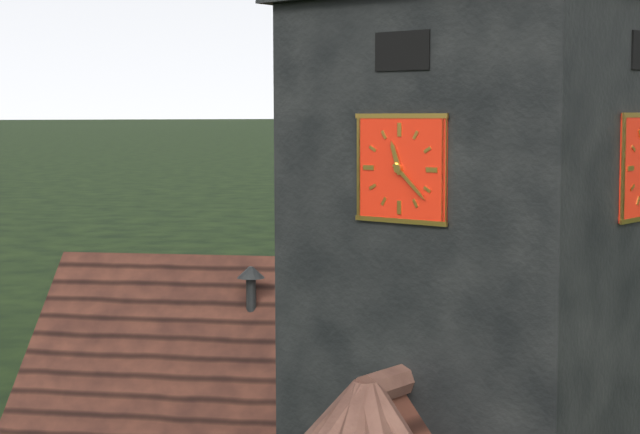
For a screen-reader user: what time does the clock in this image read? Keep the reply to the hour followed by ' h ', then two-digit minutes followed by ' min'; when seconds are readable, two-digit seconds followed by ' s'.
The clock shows 11 h 22 min
